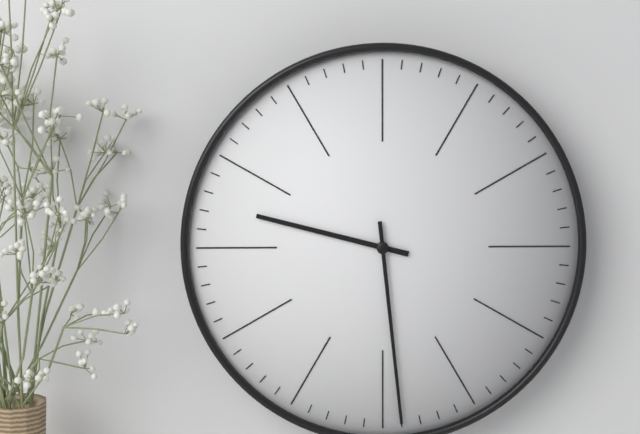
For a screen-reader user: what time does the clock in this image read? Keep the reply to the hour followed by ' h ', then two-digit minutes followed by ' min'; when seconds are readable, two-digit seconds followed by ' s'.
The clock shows 9 h 29 min
